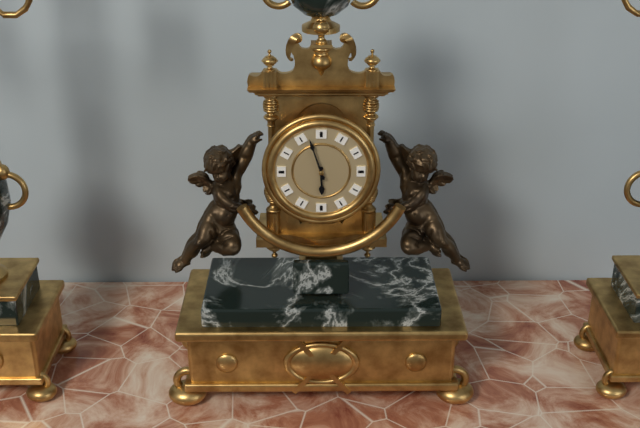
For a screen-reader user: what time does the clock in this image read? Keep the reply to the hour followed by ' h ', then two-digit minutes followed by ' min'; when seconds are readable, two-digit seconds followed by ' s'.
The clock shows 5 h 57 min
